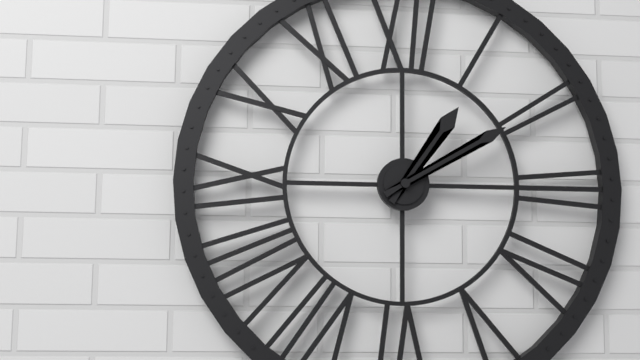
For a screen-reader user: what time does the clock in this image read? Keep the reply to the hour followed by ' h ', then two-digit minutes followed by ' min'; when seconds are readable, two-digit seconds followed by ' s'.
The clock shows 1 h 10 min
